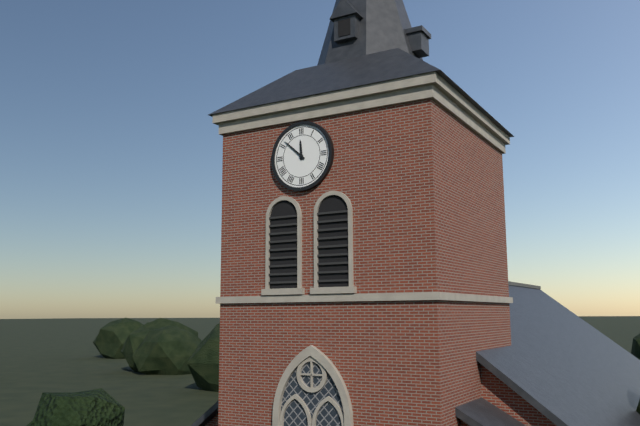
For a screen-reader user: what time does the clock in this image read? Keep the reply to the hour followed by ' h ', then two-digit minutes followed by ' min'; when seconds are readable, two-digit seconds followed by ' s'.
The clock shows 11 h 52 min
